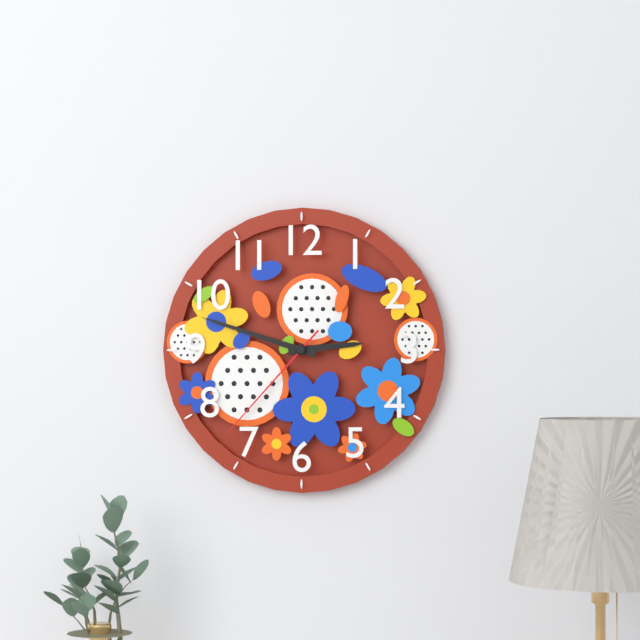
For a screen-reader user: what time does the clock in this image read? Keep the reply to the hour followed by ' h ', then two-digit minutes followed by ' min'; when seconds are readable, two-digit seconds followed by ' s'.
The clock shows 2 h 48 min 37 s
